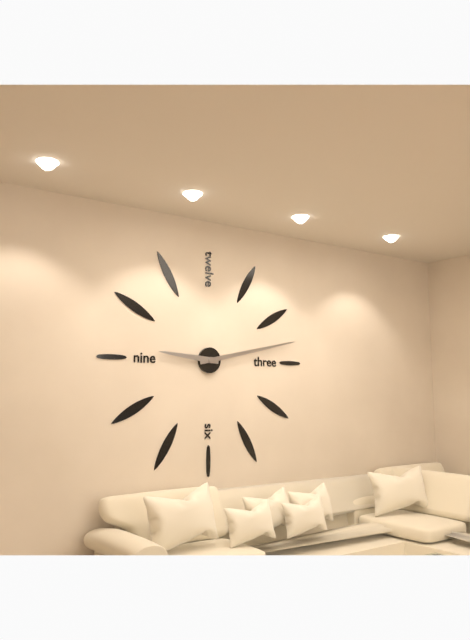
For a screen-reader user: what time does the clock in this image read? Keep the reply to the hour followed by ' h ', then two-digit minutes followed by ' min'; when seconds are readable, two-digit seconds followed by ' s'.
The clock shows 9 h 13 min
